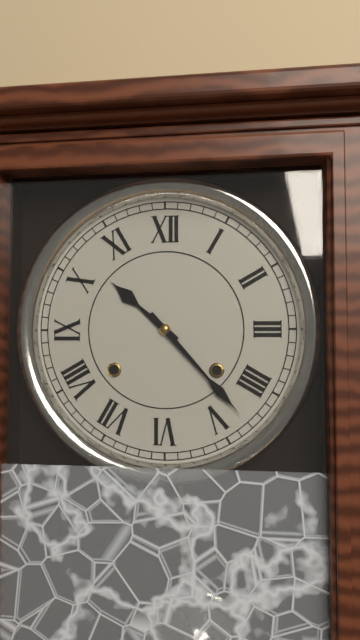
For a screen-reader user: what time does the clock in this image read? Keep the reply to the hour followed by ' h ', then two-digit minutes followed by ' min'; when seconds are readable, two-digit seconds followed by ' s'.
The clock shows 10 h 23 min
